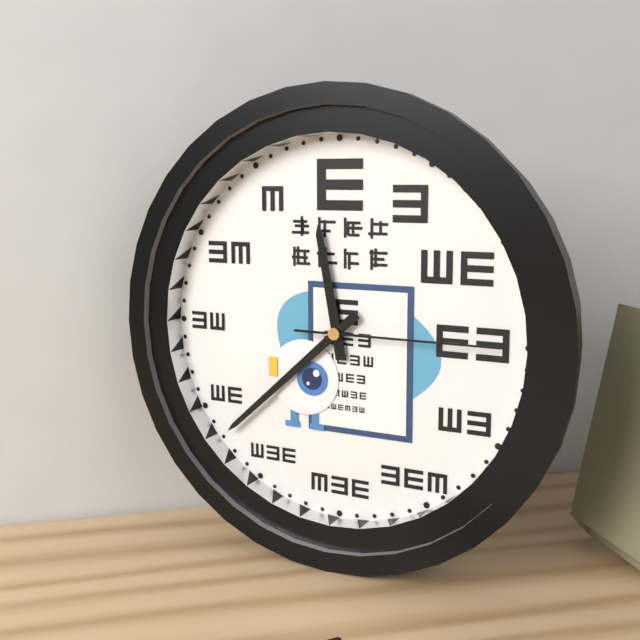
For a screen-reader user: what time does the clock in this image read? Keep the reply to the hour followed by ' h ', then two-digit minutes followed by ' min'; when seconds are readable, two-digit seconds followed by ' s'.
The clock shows 11 h 38 min 15 s
